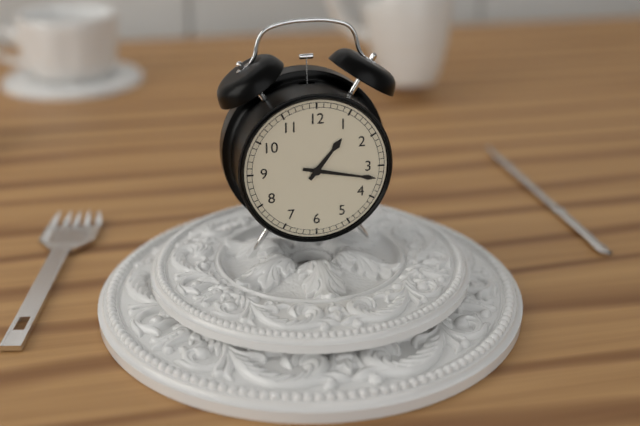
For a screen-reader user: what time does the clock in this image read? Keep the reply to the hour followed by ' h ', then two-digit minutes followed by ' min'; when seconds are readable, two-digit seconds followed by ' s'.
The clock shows 1 h 17 min
